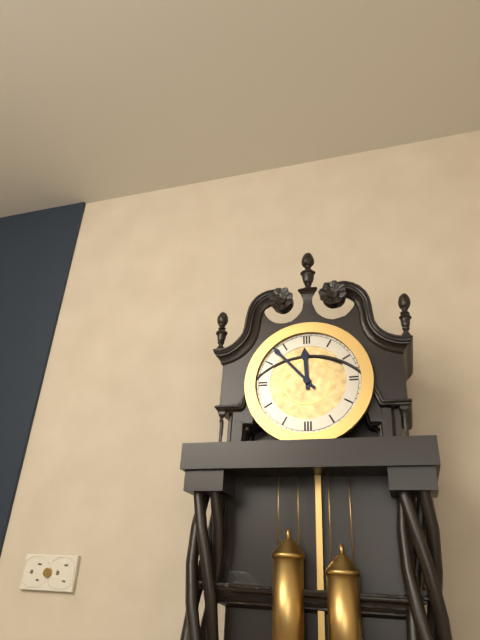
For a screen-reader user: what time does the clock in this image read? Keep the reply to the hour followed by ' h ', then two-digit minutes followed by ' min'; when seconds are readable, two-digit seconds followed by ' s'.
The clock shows 11 h 53 min
